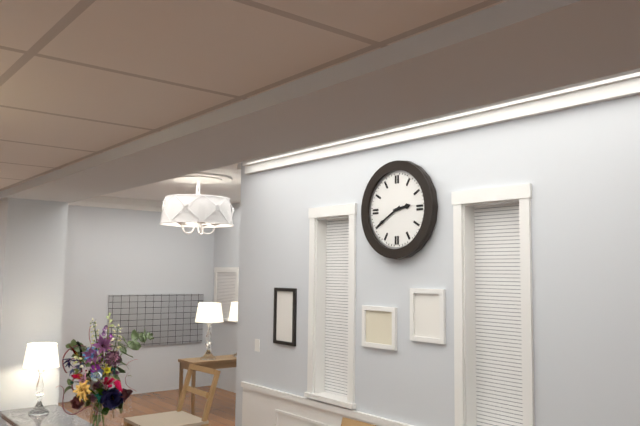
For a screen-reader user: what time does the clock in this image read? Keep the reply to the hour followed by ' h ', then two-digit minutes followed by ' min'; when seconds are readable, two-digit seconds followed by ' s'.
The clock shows 2 h 40 min
